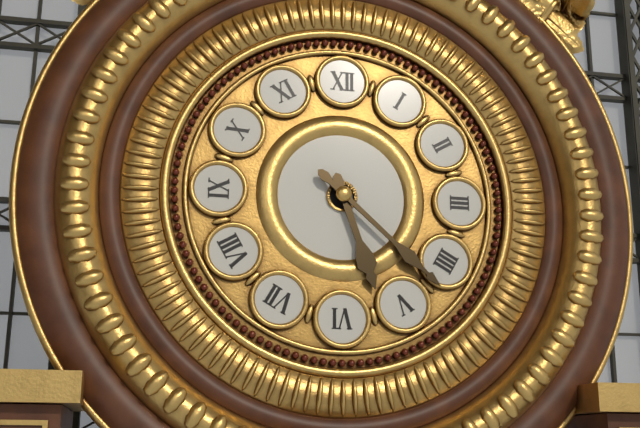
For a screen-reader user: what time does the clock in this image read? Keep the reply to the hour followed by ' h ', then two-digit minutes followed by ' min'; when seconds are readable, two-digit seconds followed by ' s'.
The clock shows 5 h 22 min
